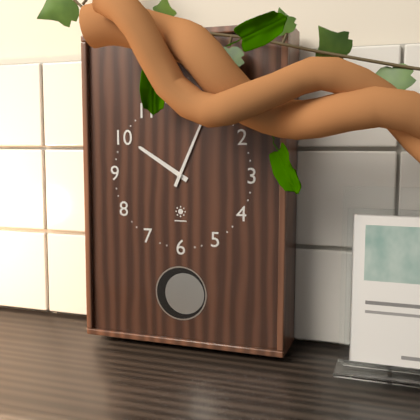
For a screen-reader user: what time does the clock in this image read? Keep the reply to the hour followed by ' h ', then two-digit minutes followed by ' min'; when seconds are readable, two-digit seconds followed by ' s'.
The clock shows 10 h 04 min
